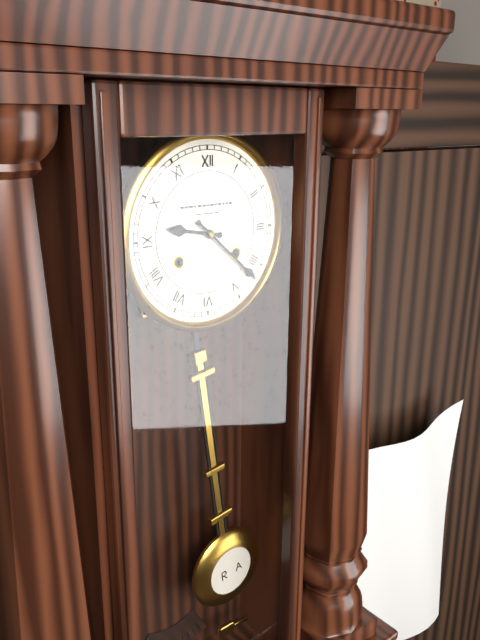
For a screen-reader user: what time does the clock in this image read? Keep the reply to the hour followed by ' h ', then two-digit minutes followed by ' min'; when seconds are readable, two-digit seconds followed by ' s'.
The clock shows 9 h 22 min
